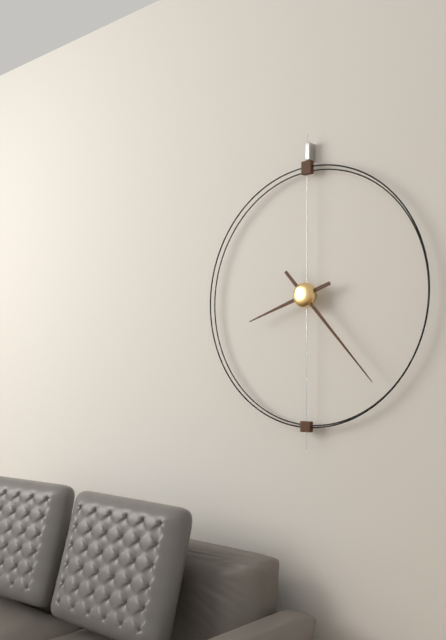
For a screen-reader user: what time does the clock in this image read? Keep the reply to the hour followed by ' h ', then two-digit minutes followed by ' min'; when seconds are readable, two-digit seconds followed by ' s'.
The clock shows 8 h 23 min
